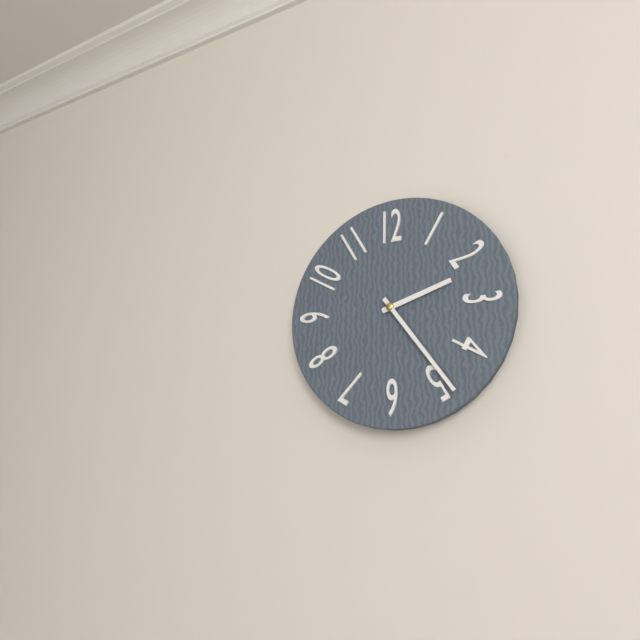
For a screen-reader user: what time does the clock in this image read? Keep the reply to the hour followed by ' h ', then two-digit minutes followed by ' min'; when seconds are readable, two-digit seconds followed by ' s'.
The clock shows 2 h 24 min
